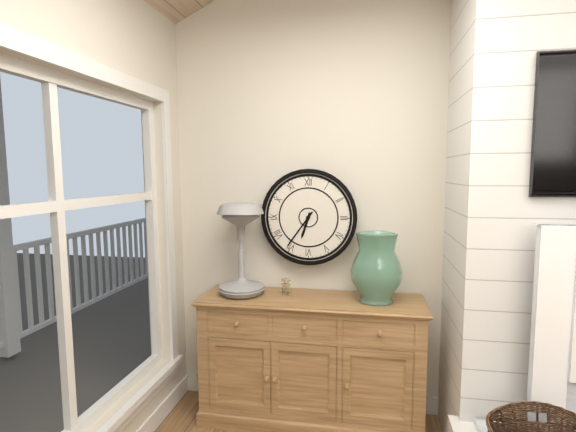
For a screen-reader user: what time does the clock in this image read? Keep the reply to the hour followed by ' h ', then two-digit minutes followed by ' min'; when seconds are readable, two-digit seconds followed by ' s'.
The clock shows 6 h 36 min
